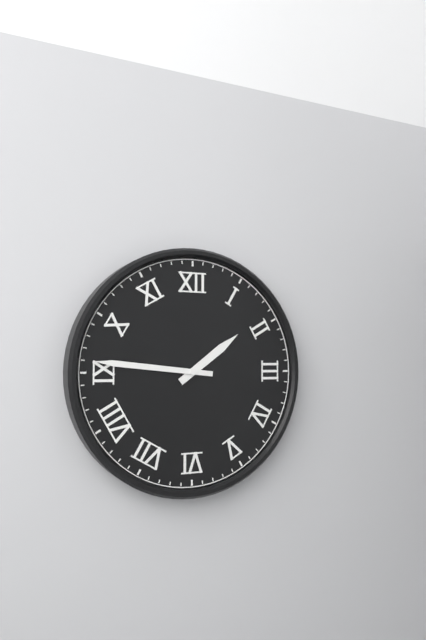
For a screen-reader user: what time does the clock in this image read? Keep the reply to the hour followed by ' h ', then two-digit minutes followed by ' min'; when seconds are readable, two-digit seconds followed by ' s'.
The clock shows 1 h 46 min
